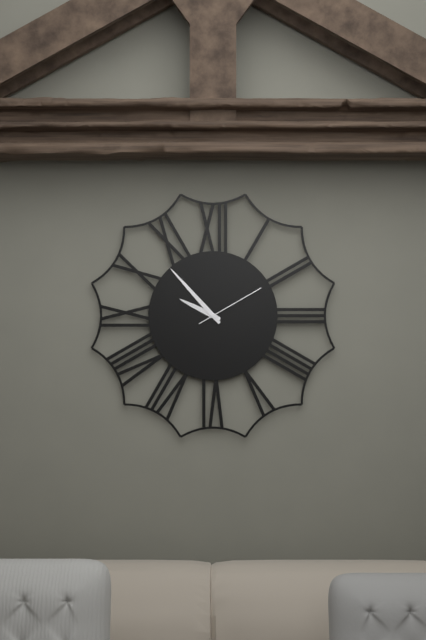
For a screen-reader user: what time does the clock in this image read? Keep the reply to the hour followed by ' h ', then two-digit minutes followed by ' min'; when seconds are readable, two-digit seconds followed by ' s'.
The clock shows 9 h 53 min 10 s
